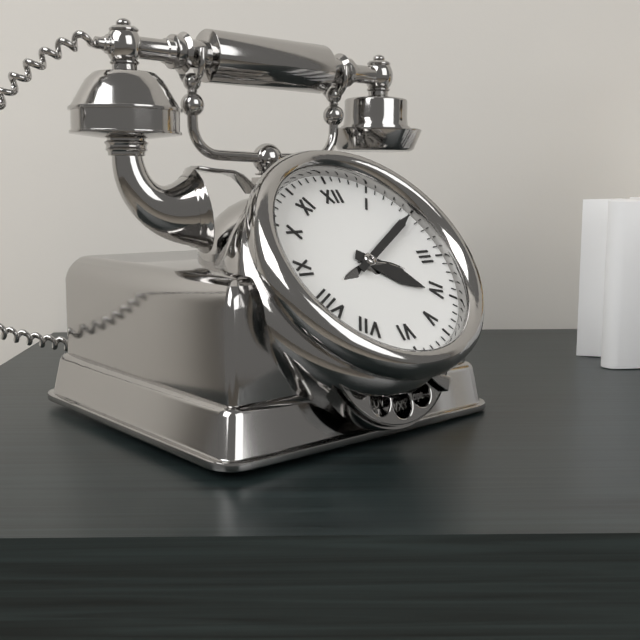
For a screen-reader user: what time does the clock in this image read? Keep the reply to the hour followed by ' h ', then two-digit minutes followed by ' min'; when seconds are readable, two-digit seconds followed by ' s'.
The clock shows 4 h 10 min
